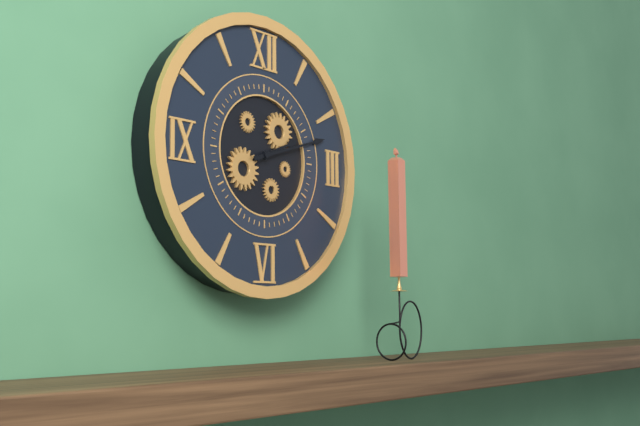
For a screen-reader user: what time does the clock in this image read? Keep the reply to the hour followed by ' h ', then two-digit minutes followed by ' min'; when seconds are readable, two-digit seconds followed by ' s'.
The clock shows 2 h 12 min
